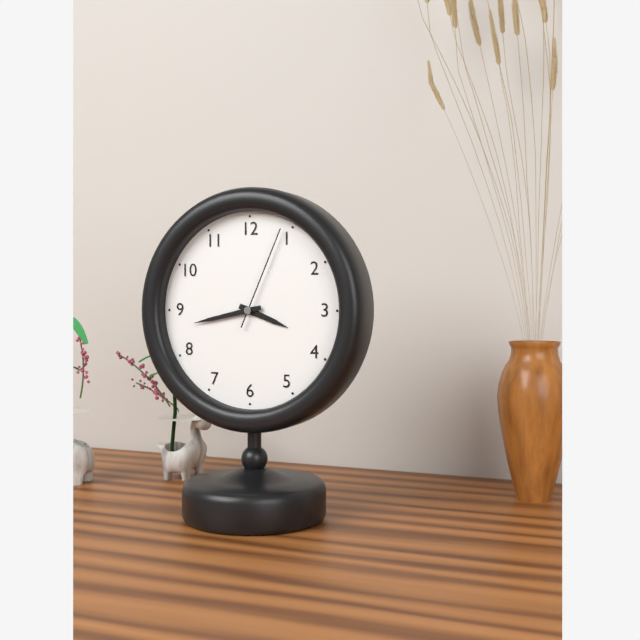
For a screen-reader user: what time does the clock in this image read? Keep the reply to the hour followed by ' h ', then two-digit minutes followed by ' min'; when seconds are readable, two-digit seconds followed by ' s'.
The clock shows 3 h 43 min 04 s
